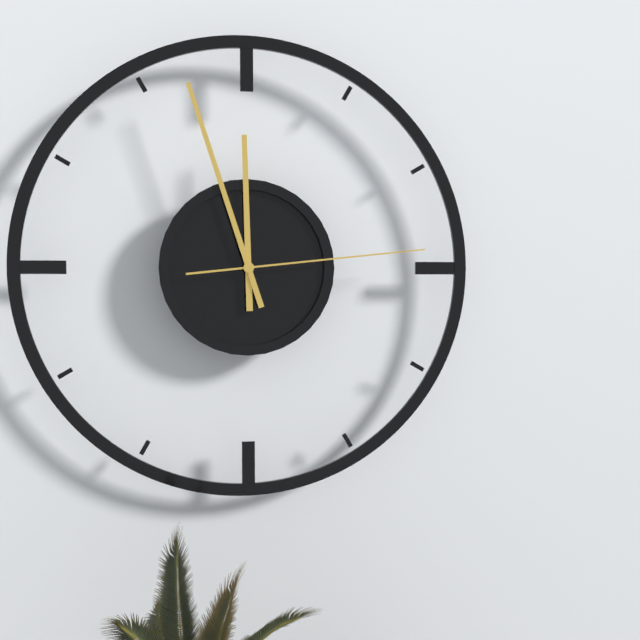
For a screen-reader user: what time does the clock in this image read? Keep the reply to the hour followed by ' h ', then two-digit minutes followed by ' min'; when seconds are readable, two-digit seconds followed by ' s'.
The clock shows 11 h 57 min 14 s
